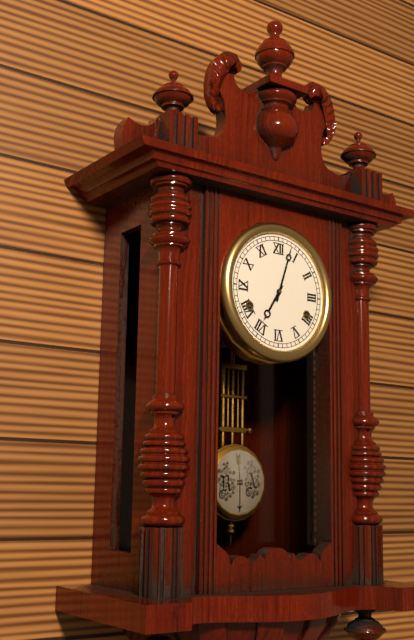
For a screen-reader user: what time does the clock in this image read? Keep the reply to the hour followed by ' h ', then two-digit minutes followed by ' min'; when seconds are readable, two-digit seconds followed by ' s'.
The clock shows 7 h 03 min
